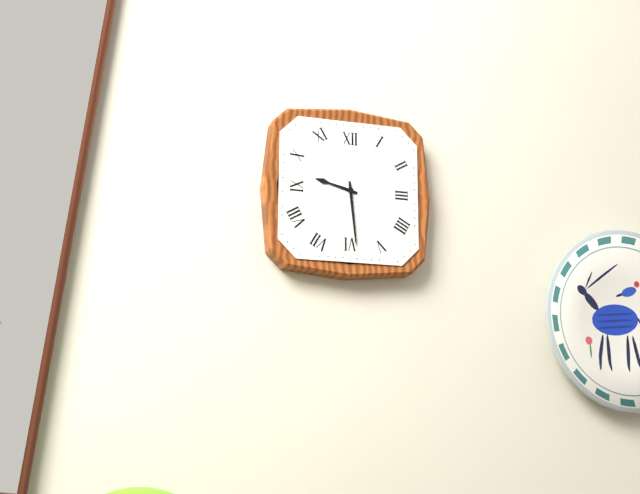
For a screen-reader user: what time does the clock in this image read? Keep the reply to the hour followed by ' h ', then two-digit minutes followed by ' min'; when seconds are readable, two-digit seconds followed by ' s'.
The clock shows 9 h 29 min
